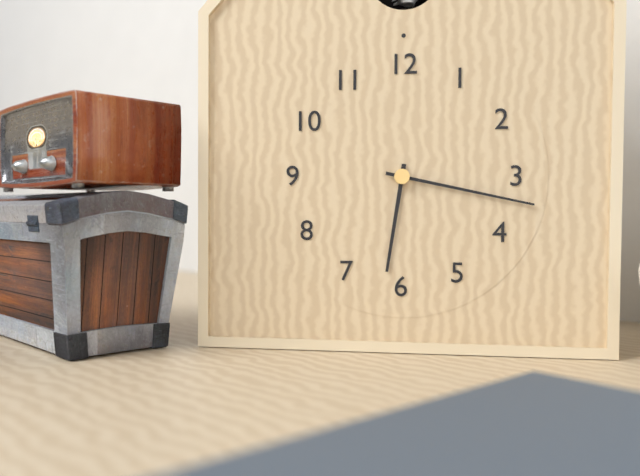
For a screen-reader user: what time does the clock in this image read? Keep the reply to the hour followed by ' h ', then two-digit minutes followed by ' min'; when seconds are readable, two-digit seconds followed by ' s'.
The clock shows 6 h 17 min
